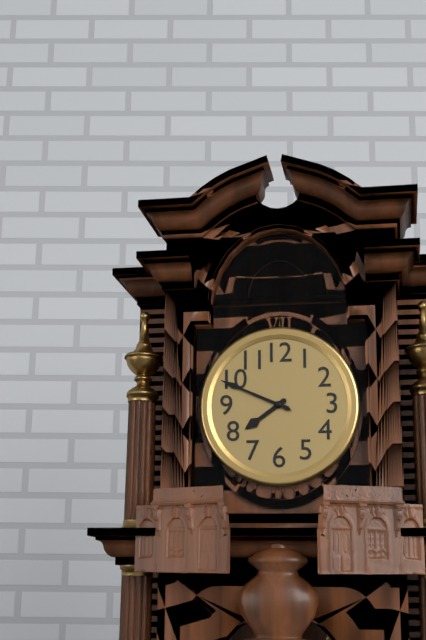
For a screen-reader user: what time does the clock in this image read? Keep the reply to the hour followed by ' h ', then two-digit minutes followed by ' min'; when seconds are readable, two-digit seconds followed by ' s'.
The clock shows 7 h 49 min
